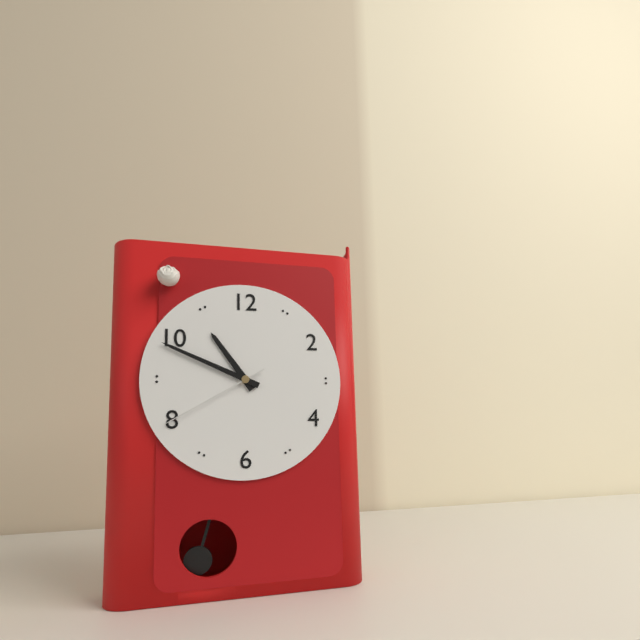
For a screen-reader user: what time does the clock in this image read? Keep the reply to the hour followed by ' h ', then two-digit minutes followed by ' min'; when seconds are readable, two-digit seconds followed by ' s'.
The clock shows 10 h 49 min 40 s
